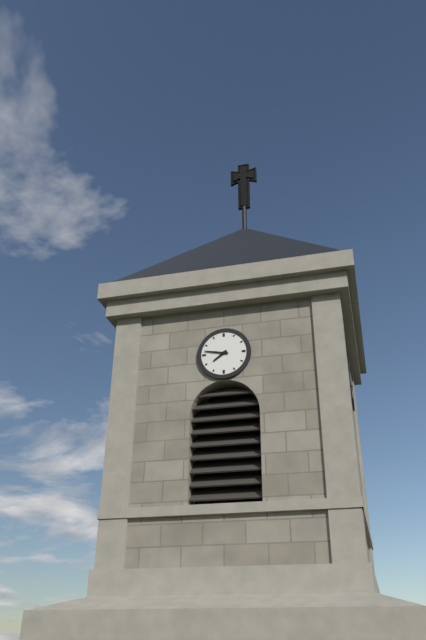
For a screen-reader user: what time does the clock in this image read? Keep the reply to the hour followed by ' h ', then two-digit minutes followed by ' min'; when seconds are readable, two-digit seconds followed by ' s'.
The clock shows 7 h 47 min
